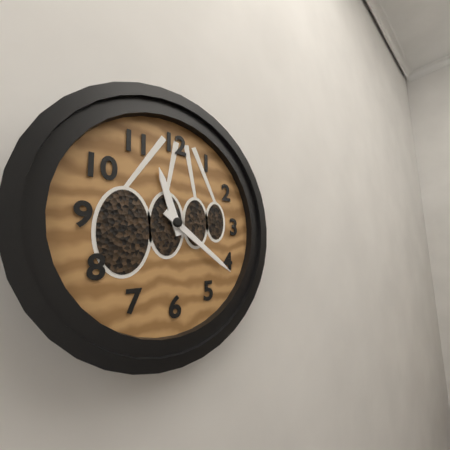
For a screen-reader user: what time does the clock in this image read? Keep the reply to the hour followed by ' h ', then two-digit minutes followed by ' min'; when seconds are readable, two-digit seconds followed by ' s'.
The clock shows 11 h 21 min
